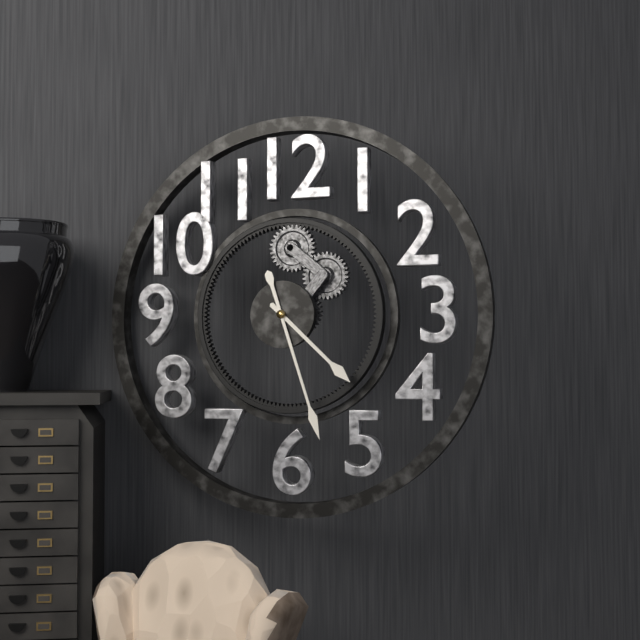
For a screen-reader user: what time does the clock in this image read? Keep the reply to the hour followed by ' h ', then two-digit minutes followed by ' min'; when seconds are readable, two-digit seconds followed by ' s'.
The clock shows 4 h 27 min
